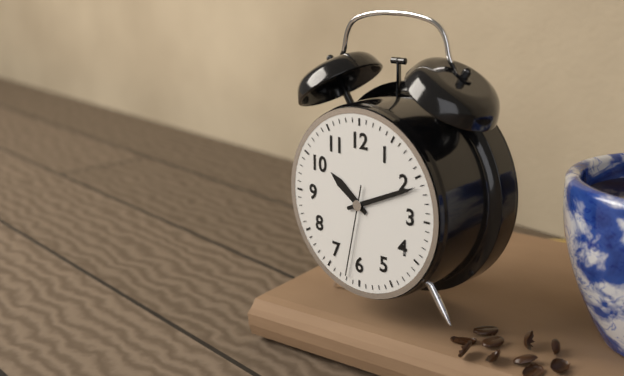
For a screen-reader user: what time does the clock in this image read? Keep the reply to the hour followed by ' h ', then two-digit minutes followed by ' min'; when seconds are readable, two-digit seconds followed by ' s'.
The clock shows 10 h 11 min 32 s
